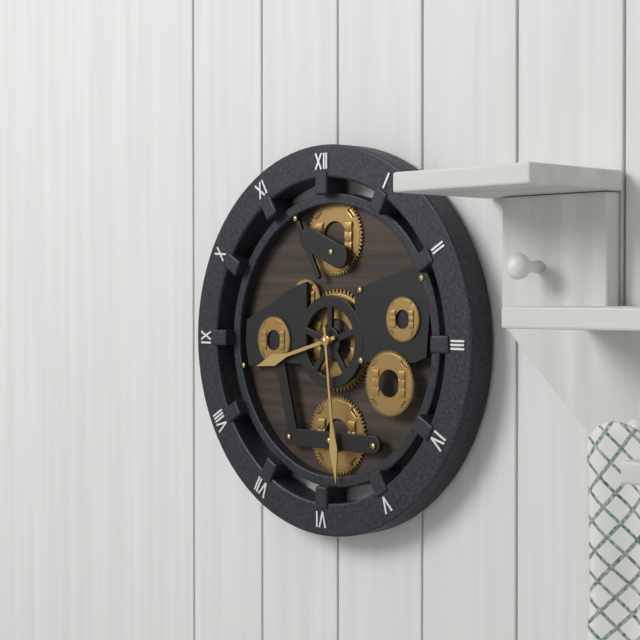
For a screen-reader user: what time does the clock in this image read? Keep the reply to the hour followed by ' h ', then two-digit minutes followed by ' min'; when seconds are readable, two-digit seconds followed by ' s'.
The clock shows 8 h 29 min
